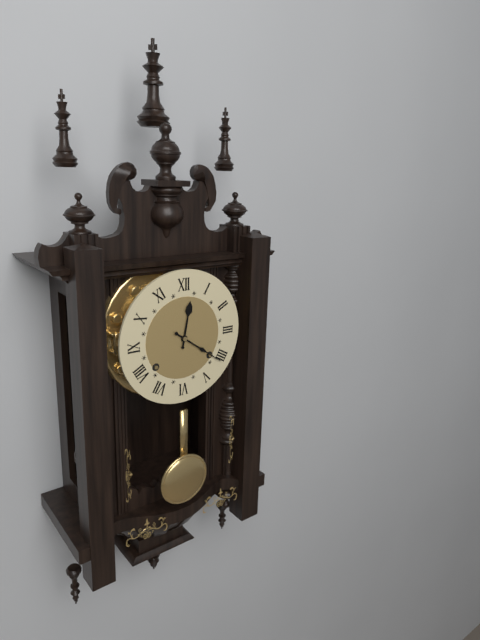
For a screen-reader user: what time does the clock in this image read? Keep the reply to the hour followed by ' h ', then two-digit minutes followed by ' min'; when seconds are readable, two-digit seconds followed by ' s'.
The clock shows 12 h 21 min
